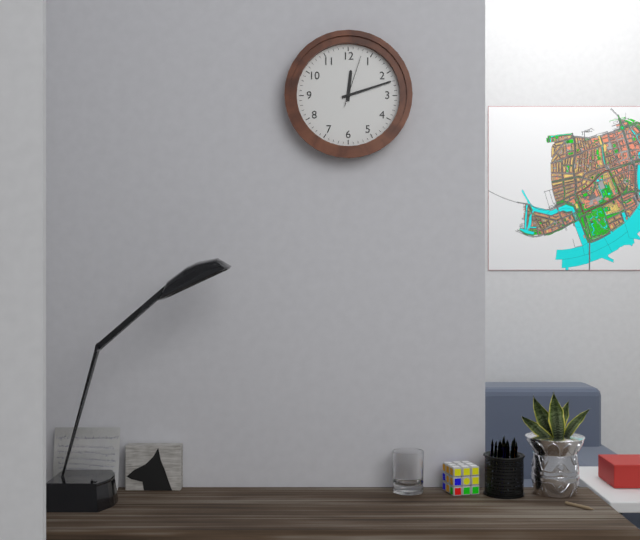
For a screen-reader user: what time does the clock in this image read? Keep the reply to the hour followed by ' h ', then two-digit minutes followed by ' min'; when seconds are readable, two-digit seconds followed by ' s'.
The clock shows 12 h 12 min 03 s
